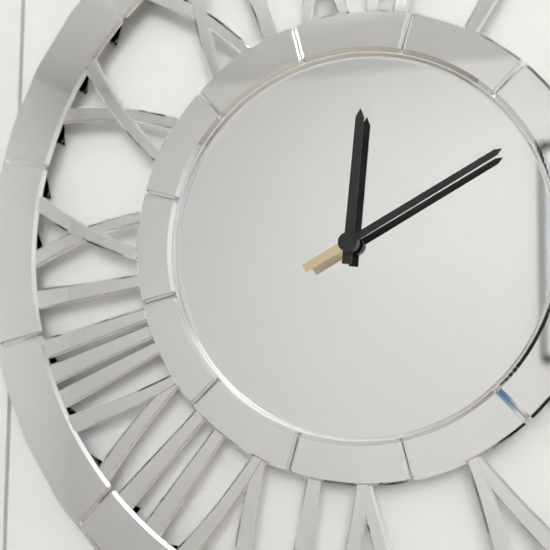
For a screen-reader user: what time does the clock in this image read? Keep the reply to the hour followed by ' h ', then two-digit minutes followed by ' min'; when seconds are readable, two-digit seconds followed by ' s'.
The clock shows 12 h 10 min
